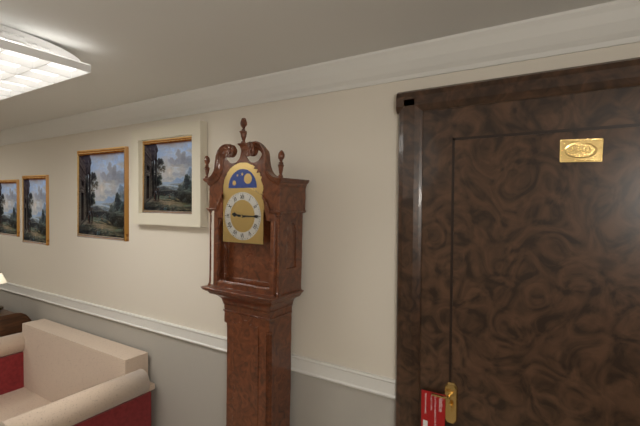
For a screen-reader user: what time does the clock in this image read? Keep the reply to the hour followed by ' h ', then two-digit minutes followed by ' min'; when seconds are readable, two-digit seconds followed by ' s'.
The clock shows 9 h 15 min
